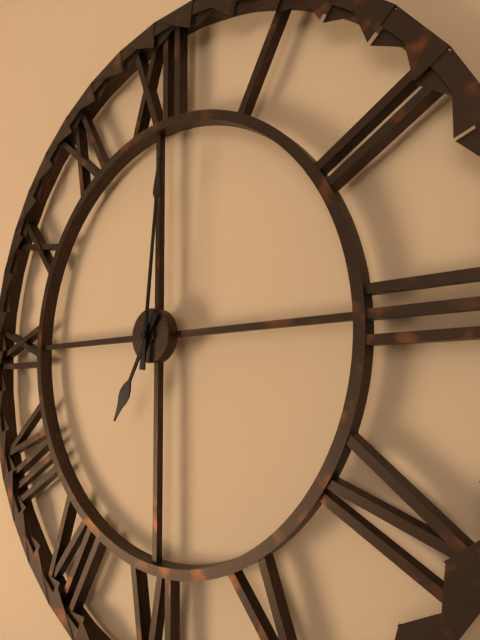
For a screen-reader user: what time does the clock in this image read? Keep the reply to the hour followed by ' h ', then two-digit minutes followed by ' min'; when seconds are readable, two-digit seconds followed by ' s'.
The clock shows 7 h 01 min
